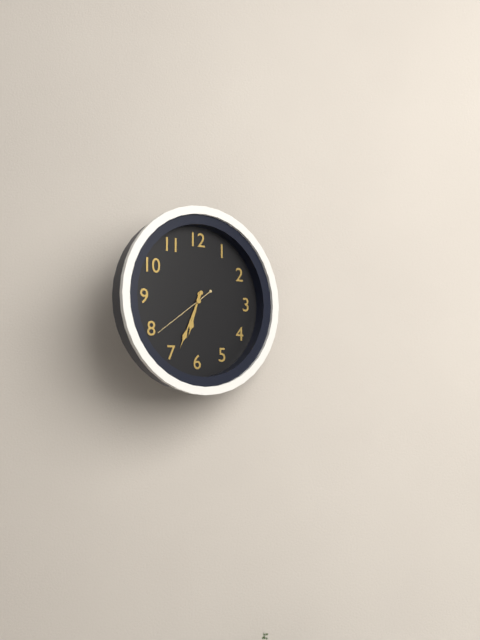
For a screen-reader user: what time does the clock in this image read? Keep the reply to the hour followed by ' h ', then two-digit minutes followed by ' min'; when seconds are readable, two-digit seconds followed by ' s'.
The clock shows 6 h 34 min 39 s
